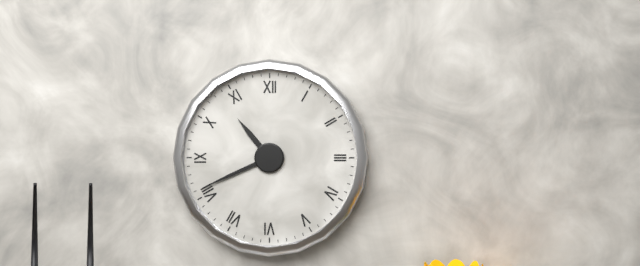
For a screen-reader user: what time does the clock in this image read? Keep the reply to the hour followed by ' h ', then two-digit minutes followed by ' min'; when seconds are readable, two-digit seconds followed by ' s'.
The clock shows 10 h 41 min
